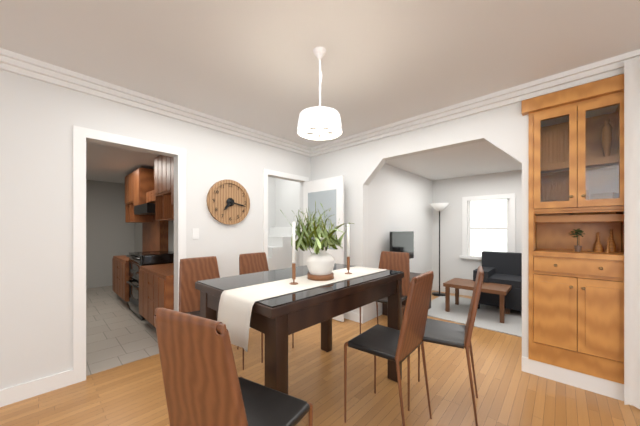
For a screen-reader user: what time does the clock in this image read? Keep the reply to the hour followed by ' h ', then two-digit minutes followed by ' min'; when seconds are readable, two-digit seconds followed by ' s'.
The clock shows 7 h 17 min
